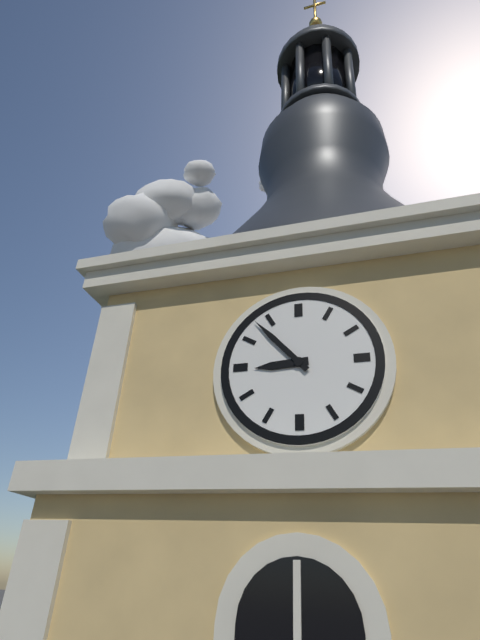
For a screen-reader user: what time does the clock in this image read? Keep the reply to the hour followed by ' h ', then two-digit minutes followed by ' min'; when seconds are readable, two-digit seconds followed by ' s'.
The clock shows 8 h 53 min
